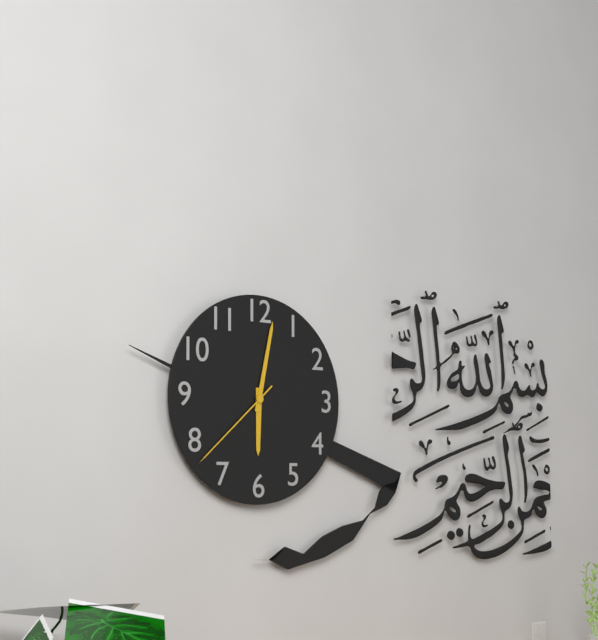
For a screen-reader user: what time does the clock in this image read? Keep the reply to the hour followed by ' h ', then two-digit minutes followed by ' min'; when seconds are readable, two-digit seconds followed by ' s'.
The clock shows 6 h 02 min 38 s
